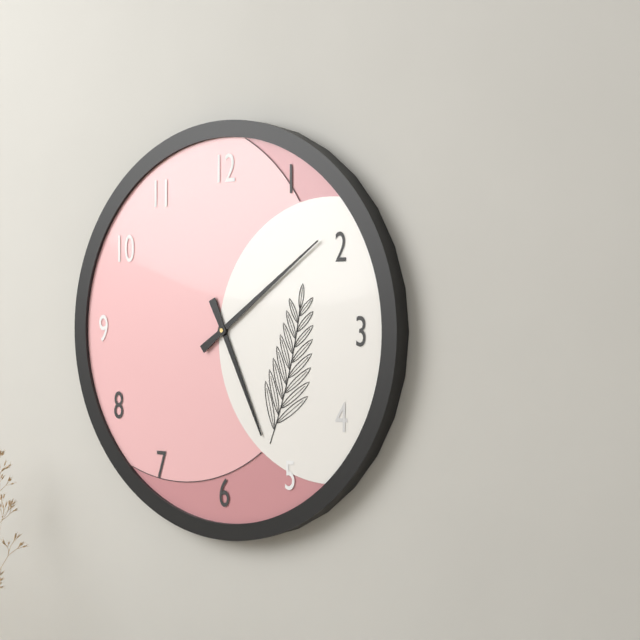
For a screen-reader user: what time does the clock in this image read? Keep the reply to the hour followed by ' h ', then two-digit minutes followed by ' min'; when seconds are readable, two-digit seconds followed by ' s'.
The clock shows 5 h 09 min
